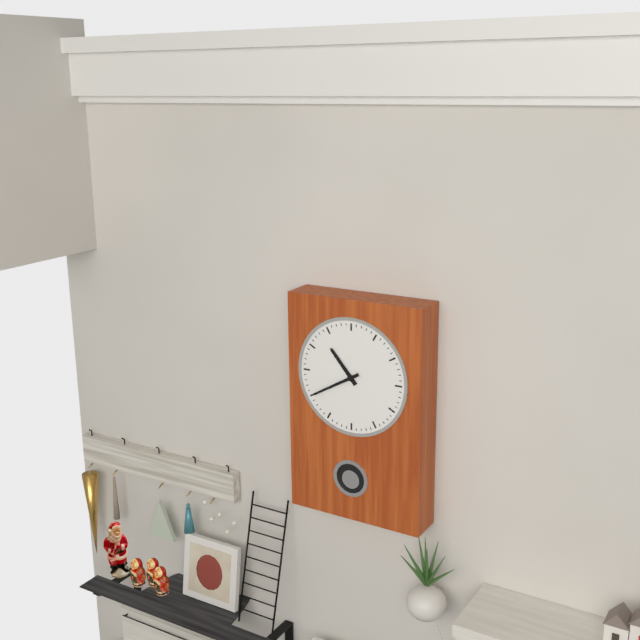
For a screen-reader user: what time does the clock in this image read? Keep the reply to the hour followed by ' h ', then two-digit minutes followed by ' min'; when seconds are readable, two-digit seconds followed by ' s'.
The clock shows 10 h 40 min
